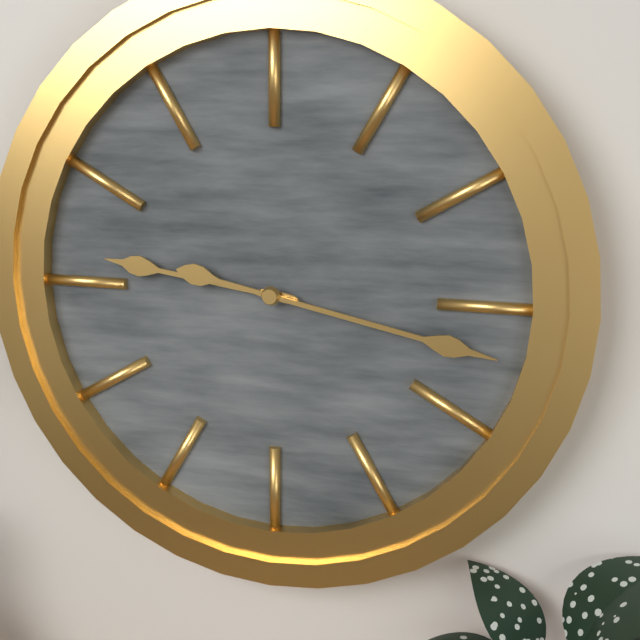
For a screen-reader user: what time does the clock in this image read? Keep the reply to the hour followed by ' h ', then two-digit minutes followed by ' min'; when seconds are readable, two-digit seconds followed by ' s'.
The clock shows 9 h 17 min
